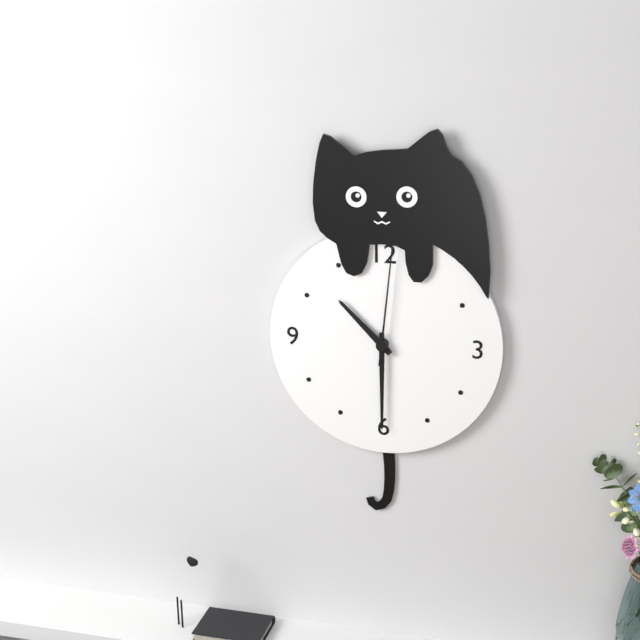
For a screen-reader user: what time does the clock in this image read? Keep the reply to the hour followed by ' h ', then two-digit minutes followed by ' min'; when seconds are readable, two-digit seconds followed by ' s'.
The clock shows 10 h 30 min 01 s
